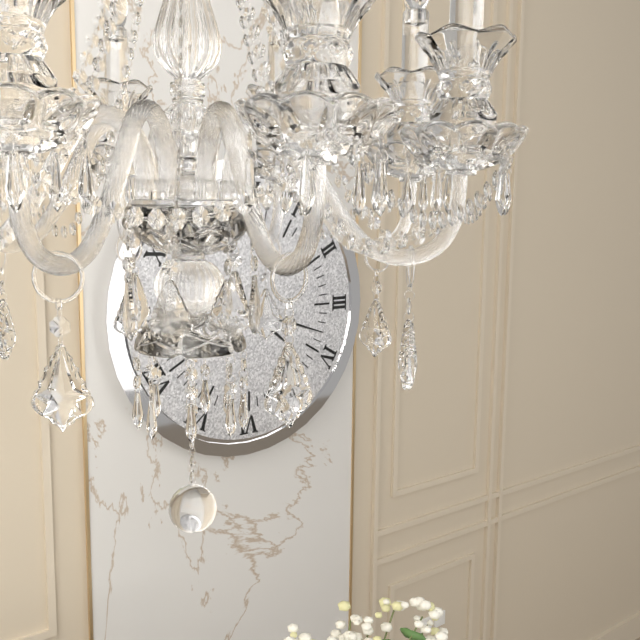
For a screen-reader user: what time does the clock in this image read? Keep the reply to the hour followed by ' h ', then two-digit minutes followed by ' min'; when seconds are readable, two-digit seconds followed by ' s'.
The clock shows 4 h 18 min
